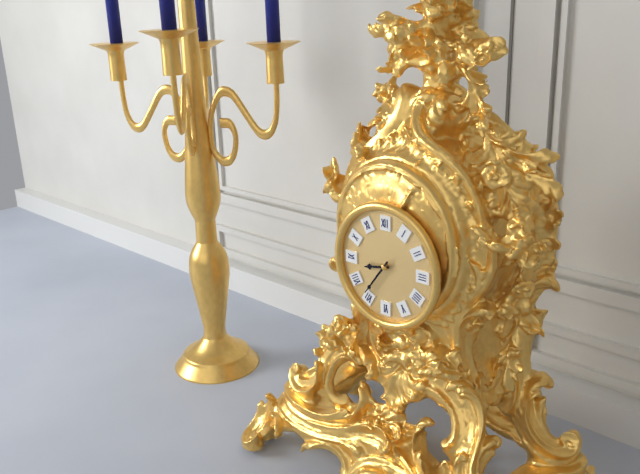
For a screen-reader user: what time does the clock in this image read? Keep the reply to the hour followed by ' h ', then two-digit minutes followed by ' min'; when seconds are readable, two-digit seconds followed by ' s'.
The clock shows 8 h 36 min
